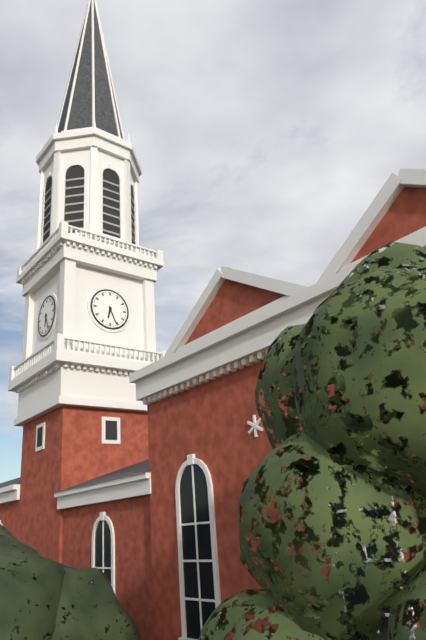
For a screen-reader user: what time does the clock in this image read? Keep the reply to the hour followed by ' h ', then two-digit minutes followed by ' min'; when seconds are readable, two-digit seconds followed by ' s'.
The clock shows 6 h 26 min
